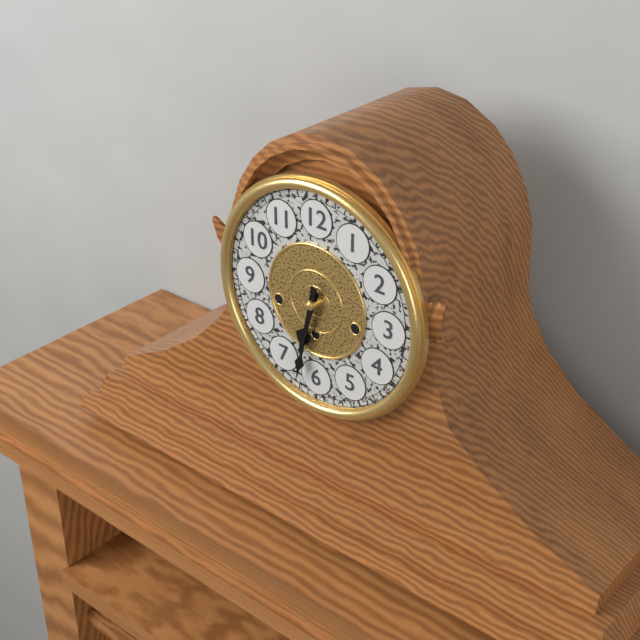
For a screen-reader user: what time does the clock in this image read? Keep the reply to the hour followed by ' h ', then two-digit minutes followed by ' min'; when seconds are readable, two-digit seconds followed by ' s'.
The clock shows 6 h 32 min
